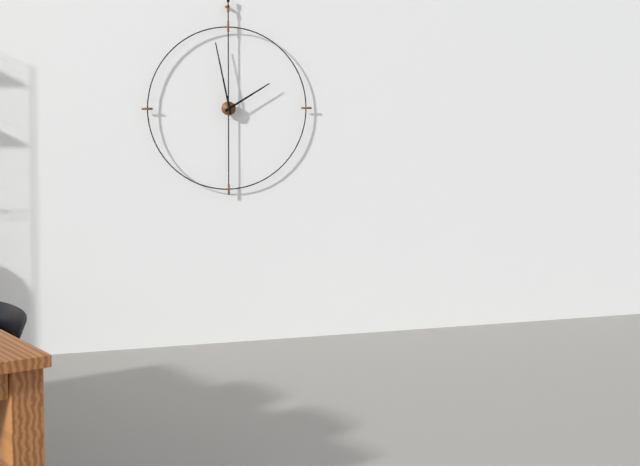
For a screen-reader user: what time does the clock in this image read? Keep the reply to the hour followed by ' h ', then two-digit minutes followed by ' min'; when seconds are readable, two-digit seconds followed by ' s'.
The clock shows 1 h 58 min
